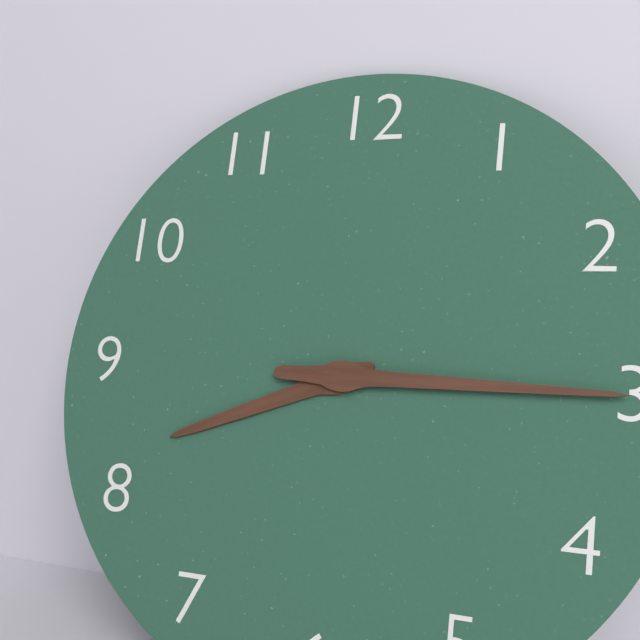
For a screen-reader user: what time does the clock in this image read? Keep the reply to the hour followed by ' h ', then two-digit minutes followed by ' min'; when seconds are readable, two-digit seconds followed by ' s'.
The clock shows 8 h 15 min
